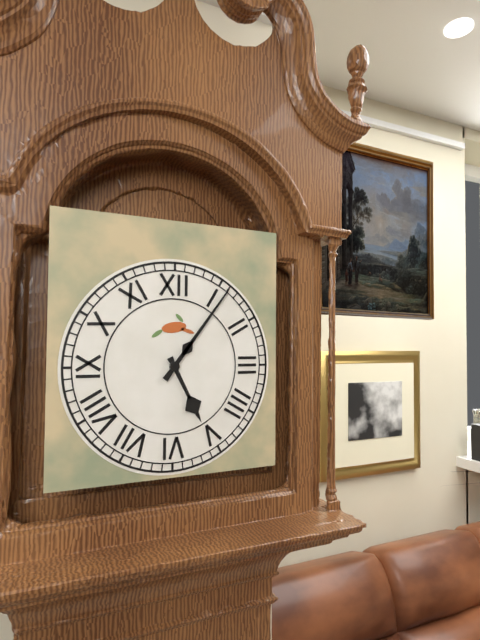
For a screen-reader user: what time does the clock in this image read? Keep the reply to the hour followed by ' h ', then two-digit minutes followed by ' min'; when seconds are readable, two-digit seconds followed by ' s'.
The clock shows 5 h 06 min
